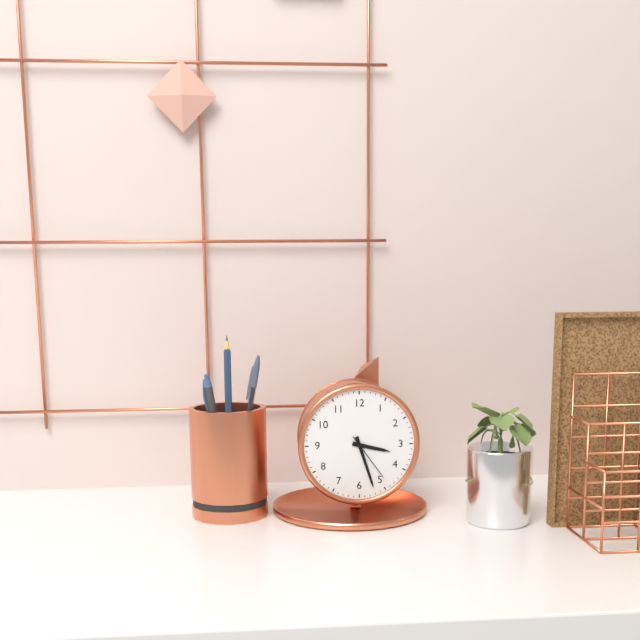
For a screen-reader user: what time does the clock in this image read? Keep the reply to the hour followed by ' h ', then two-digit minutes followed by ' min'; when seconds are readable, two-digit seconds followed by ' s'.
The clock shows 3 h 27 min 24 s
